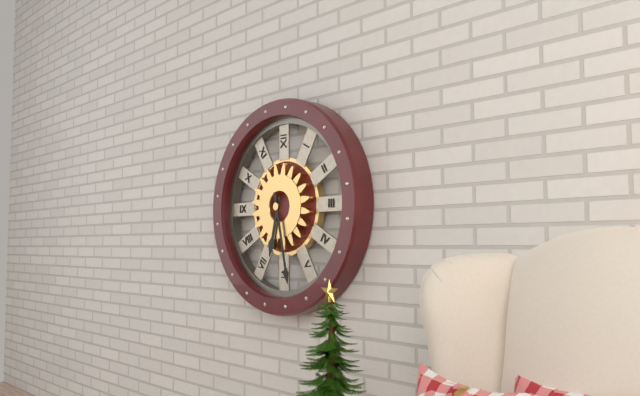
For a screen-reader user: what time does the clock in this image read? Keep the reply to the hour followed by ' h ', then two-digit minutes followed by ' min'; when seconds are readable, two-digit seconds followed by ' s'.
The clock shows 6 h 28 min
